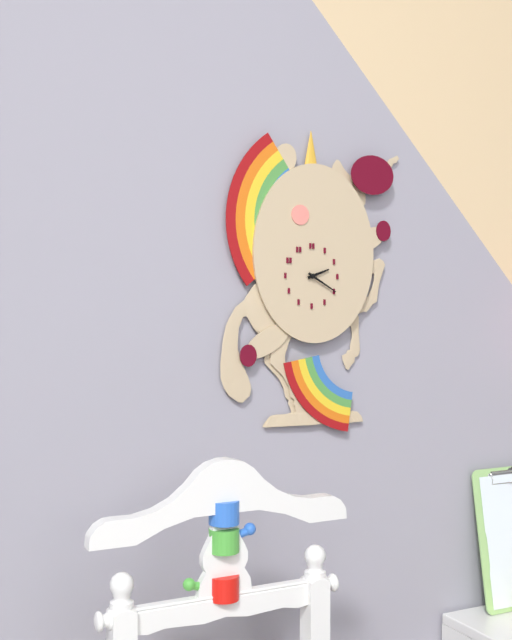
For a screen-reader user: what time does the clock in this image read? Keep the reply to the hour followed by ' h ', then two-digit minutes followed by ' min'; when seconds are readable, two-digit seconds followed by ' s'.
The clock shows 2 h 20 min
